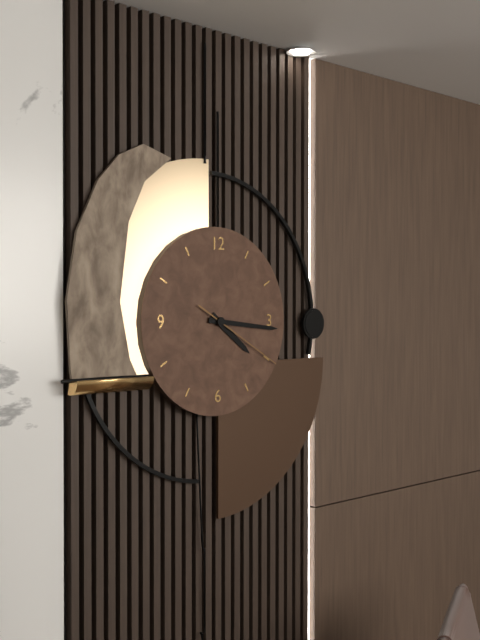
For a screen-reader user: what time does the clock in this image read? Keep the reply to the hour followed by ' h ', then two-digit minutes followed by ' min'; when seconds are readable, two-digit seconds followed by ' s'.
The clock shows 4 h 16 min 20 s
